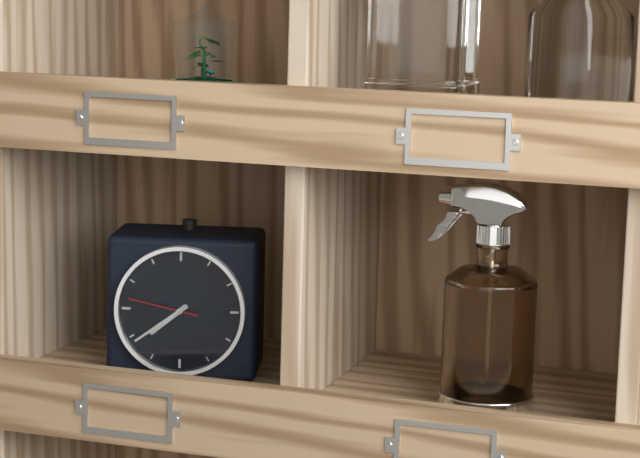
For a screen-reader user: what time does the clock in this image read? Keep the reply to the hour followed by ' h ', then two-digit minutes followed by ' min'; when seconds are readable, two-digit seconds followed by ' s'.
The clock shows 7 h 39 min 47 s
